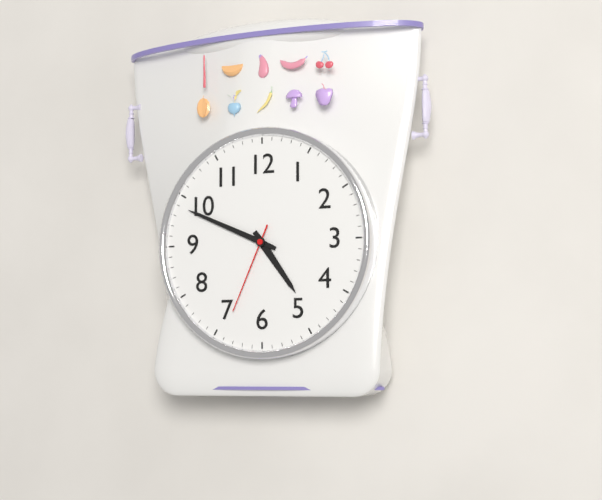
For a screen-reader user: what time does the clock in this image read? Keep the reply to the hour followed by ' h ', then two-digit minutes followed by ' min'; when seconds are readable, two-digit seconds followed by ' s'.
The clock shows 4 h 49 min 34 s
